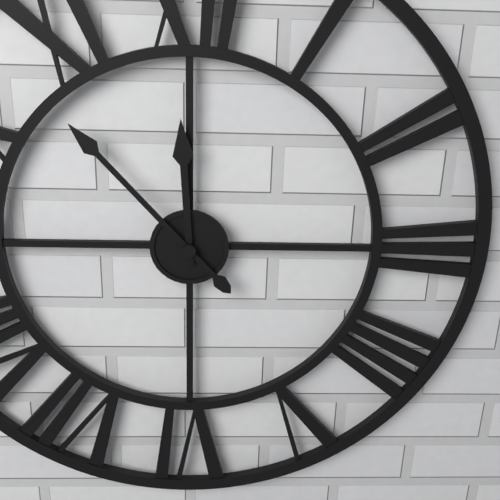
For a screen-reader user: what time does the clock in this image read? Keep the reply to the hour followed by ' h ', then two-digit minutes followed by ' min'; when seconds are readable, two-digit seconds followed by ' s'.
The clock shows 11 h 53 min
